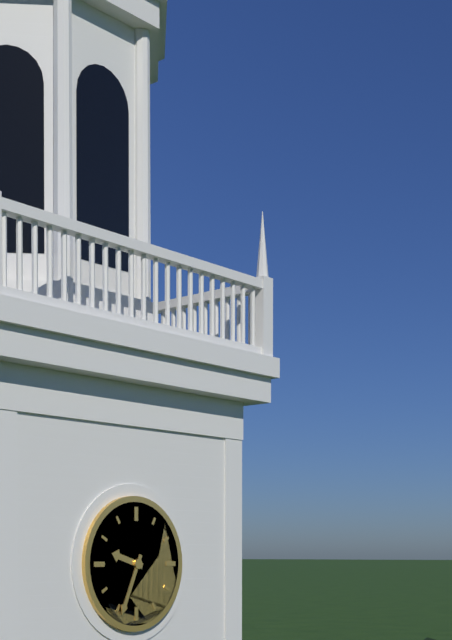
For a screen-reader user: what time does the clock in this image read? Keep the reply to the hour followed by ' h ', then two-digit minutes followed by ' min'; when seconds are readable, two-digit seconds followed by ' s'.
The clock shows 9 h 34 min
